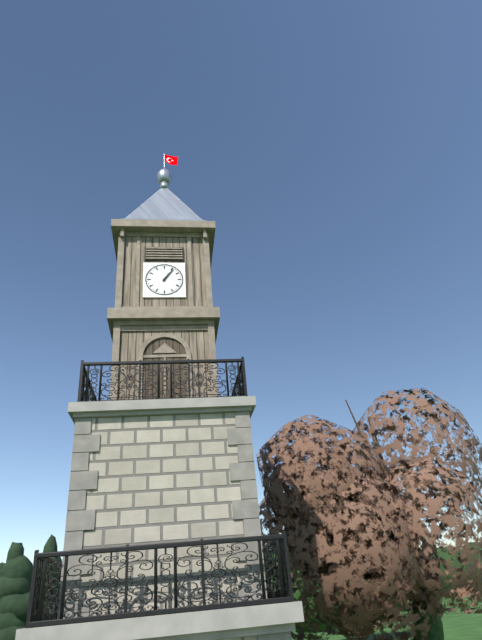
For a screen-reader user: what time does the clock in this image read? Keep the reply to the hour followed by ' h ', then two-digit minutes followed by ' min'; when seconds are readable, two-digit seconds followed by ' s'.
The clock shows 1 h 06 min
